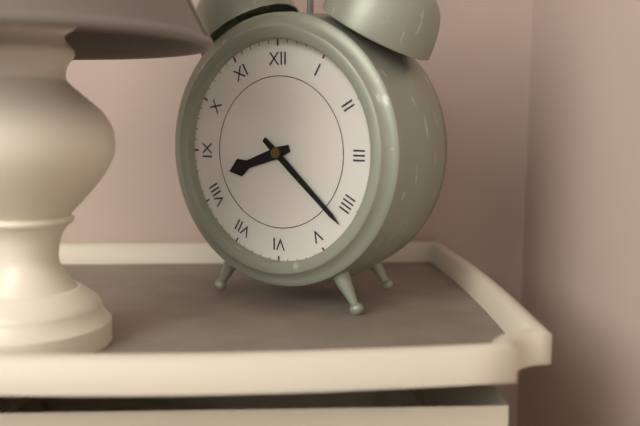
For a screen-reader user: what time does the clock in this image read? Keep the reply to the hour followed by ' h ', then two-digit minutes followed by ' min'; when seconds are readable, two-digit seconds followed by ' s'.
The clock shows 8 h 22 min
